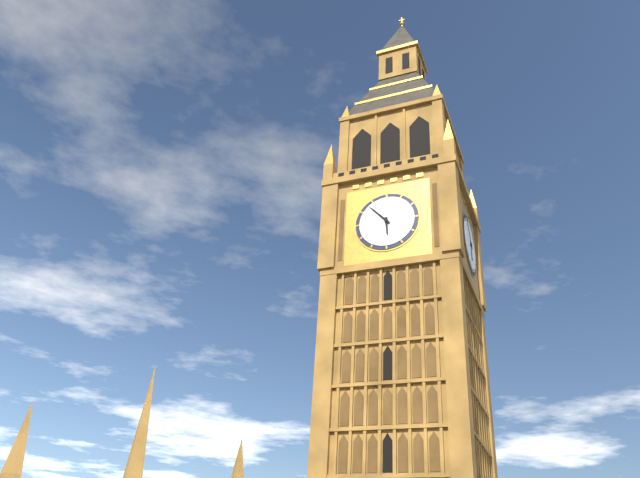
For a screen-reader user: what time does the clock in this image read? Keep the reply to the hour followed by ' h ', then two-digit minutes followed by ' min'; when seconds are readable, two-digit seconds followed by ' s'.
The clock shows 5 h 53 min
